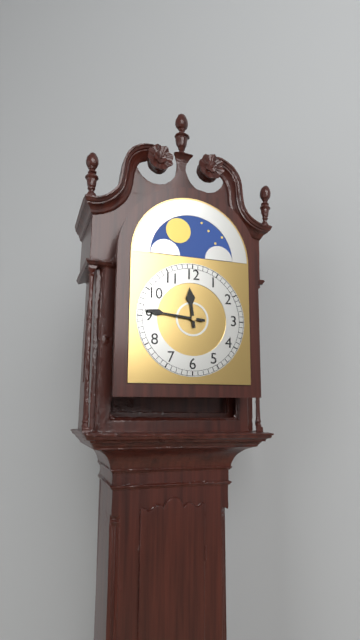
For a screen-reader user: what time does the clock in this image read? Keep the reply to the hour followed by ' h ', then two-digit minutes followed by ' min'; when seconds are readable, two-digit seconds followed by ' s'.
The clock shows 11 h 46 min
